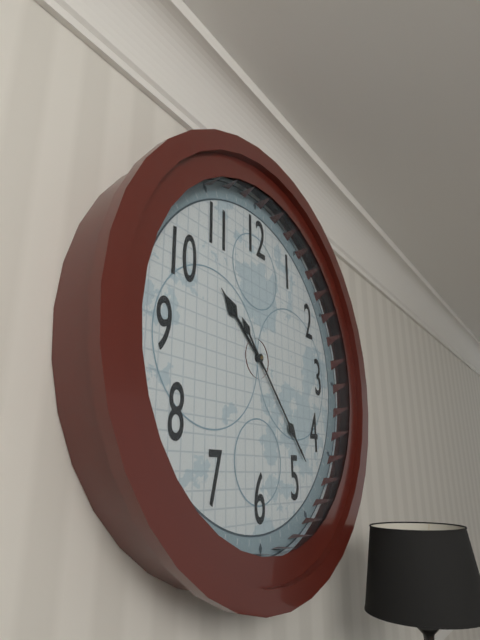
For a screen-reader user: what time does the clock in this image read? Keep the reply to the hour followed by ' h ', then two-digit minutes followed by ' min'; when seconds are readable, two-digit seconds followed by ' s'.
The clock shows 10 h 23 min
